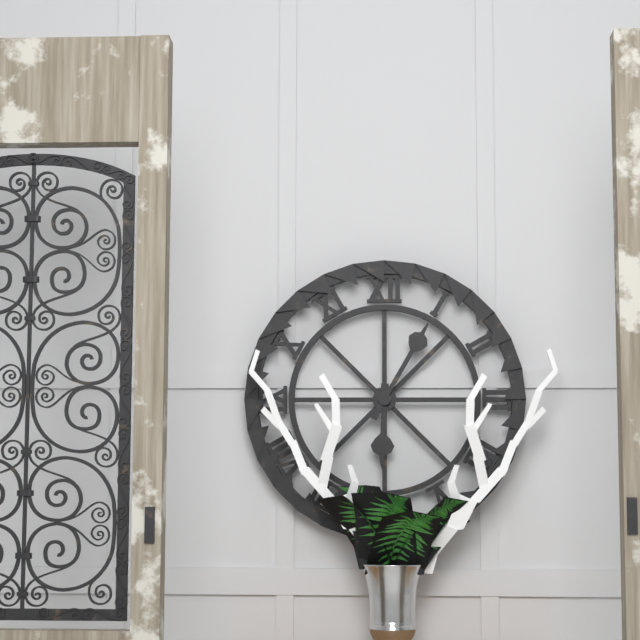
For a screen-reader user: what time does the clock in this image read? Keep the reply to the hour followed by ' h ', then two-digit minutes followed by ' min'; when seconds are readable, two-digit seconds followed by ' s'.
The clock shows 6 h 05 min
